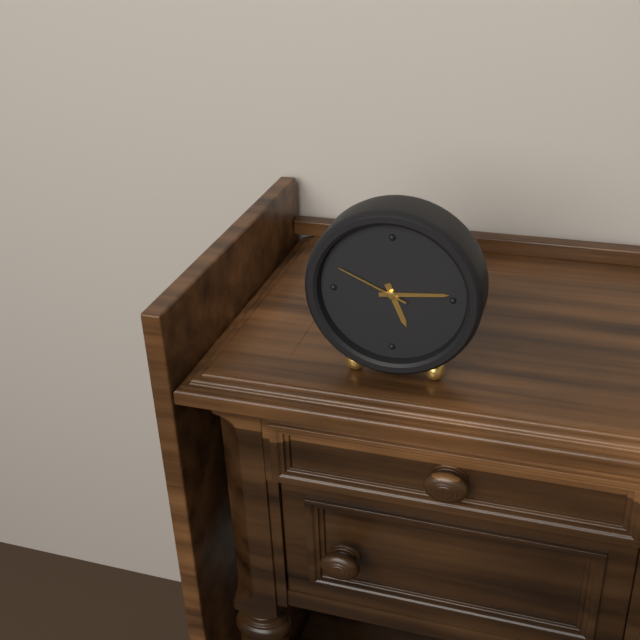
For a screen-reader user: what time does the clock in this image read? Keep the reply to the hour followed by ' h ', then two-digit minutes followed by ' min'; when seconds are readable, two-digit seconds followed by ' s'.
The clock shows 5 h 14 min 49 s
